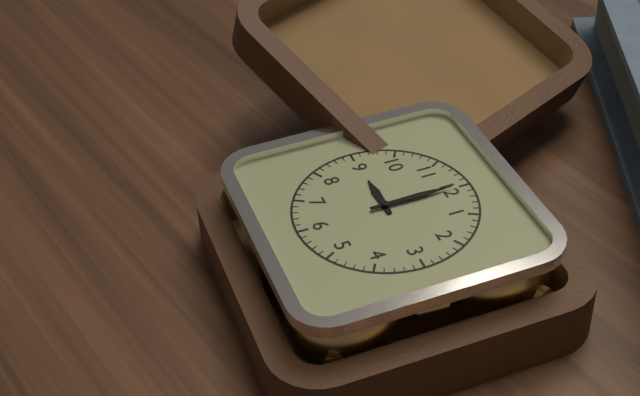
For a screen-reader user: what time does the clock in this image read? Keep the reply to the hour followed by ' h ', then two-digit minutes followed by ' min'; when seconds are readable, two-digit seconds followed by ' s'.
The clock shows 9 h 00 min
